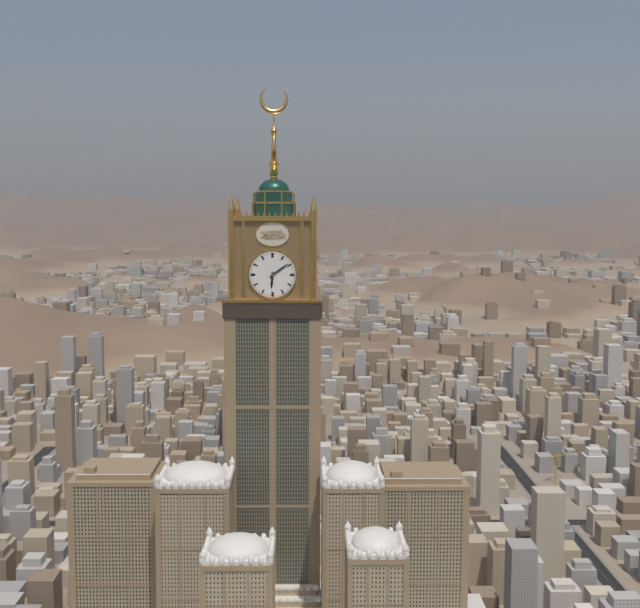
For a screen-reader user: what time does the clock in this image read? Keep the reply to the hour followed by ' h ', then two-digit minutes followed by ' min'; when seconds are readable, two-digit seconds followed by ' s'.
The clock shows 6 h 09 min
